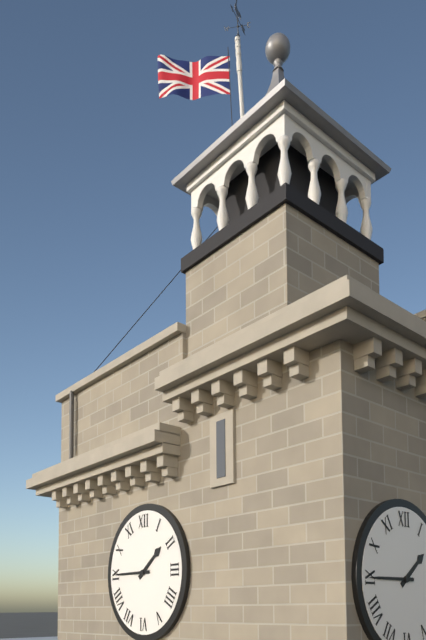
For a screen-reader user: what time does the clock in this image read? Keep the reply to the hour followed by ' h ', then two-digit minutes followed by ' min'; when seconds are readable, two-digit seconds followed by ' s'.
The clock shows 1 h 45 min
